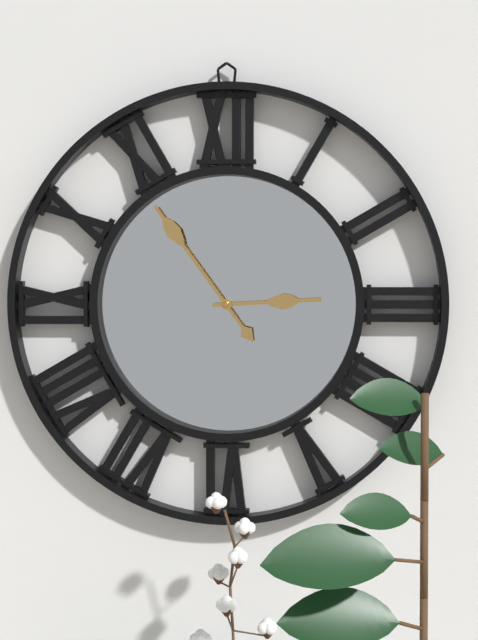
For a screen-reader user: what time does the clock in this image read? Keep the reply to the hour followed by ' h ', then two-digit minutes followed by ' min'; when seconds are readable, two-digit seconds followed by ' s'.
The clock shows 2 h 54 min
